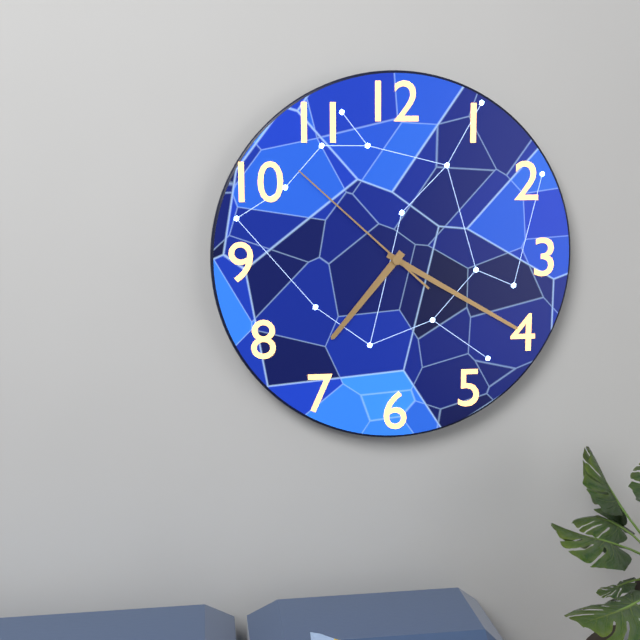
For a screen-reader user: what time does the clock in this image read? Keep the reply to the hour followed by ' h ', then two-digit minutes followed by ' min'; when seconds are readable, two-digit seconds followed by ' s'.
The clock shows 7 h 20 min 52 s
